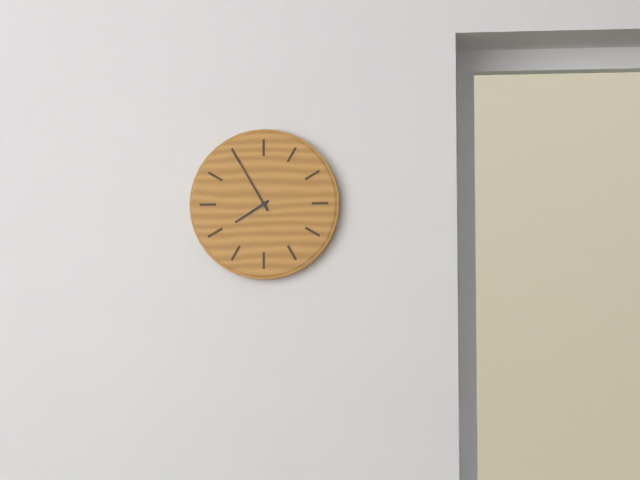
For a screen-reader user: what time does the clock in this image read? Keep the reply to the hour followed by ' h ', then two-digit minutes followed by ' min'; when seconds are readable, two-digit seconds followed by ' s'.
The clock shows 7 h 55 min
